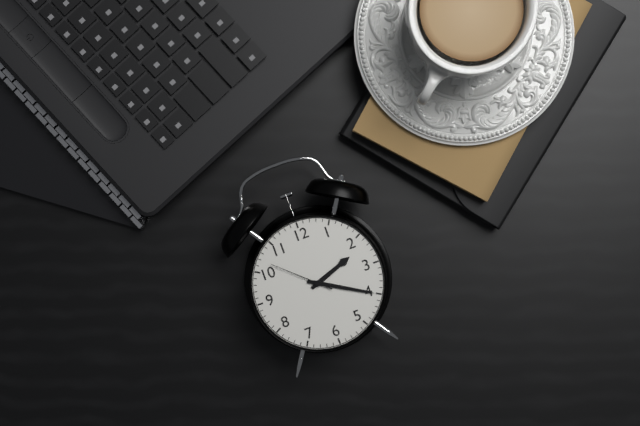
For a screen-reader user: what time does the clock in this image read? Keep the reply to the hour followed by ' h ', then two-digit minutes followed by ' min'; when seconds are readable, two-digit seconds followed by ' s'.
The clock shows 2 h 20 min 52 s
